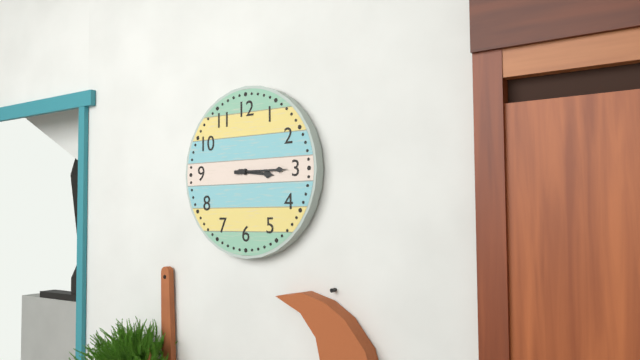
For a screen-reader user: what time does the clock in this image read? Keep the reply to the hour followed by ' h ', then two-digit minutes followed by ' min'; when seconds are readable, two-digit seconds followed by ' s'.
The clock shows 3 h 15 min
